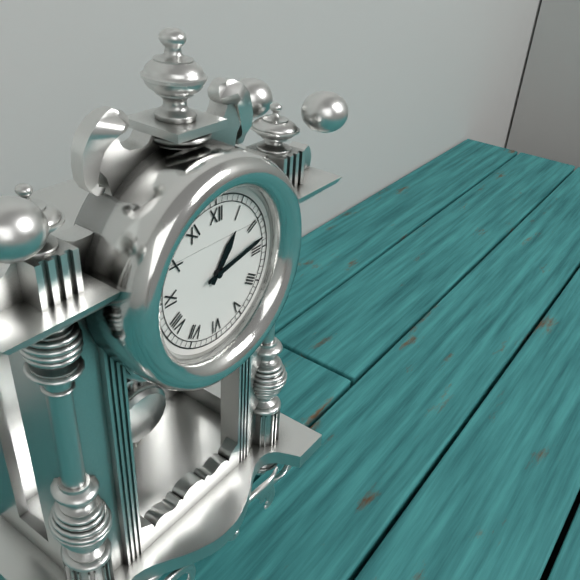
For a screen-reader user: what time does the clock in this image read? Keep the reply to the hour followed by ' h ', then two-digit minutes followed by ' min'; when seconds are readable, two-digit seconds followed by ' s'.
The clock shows 1 h 13 min
